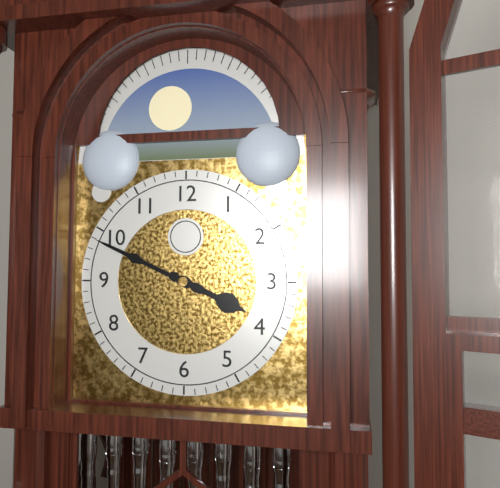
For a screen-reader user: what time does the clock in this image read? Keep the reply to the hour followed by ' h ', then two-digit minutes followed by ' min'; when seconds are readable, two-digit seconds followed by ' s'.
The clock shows 3 h 49 min
